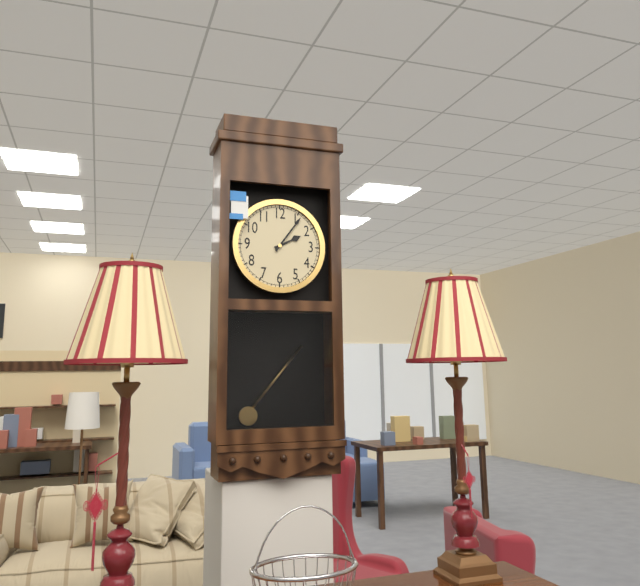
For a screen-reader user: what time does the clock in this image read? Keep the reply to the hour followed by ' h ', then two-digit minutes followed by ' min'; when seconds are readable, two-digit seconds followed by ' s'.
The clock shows 2 h 06 min
